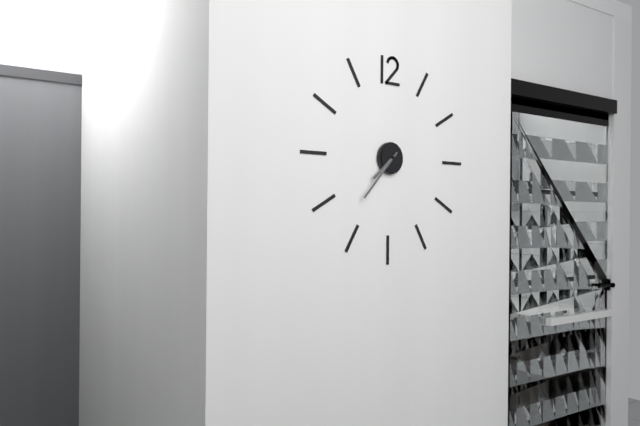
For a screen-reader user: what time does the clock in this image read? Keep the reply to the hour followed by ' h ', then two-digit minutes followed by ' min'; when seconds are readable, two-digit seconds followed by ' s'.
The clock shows 7 h 37 min
